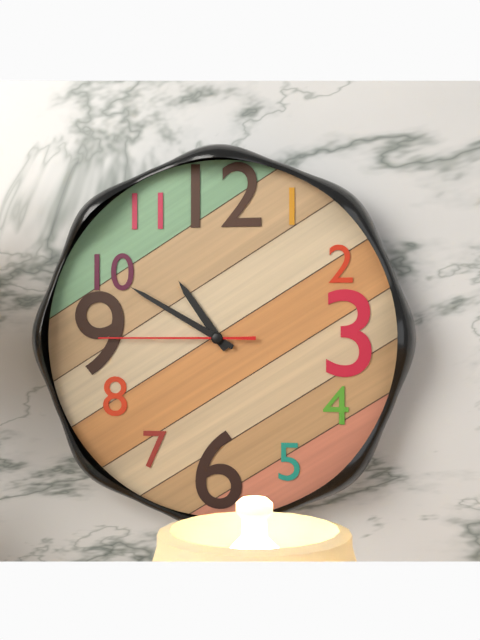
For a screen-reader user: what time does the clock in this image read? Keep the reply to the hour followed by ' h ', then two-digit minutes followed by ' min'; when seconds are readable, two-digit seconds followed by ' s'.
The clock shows 10 h 50 min 45 s
